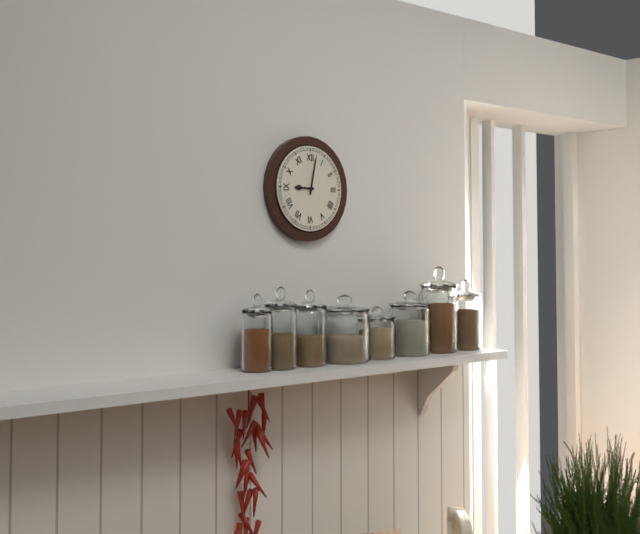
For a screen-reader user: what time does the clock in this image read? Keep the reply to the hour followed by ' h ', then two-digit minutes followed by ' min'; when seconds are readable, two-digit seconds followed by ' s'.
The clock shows 9 h 02 min
